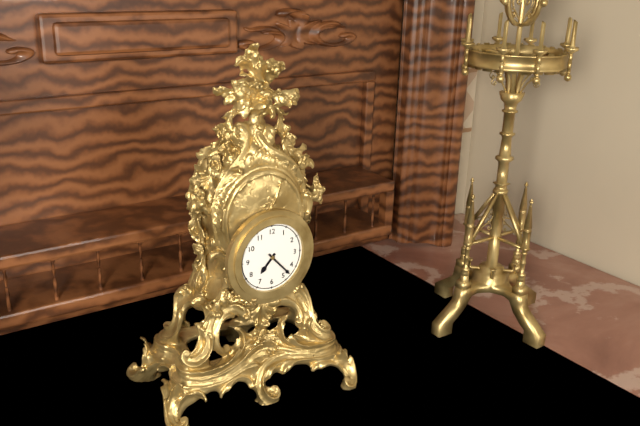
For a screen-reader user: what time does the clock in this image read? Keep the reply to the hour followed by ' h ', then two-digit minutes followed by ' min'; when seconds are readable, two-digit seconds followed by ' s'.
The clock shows 7 h 23 min
